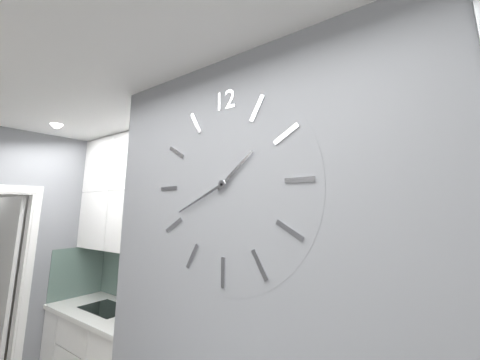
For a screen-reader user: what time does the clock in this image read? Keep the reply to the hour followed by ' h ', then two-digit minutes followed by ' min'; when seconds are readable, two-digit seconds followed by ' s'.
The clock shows 1 h 41 min
